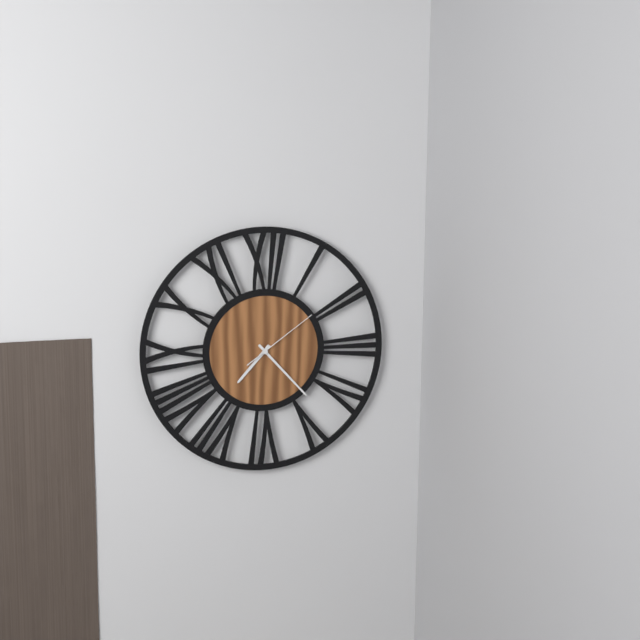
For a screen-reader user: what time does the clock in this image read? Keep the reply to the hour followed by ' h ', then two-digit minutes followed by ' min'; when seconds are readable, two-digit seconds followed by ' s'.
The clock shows 7 h 23 min 09 s
